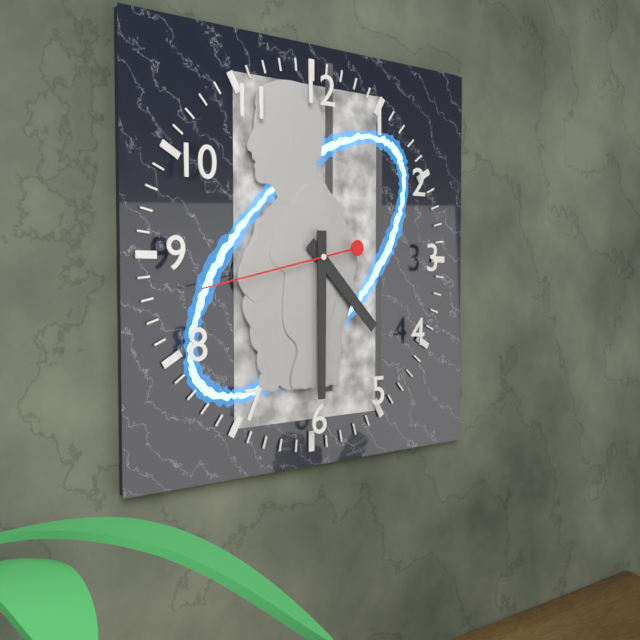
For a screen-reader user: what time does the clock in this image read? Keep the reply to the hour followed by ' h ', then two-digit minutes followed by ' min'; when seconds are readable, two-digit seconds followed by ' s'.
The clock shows 4 h 30 min 43 s
